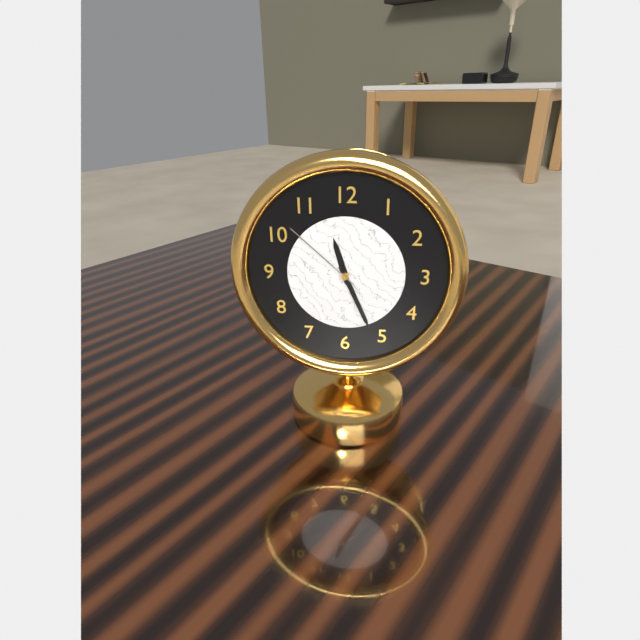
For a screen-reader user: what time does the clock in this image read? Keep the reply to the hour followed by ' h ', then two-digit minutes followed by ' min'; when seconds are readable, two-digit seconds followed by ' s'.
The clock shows 11 h 26 min 52 s
